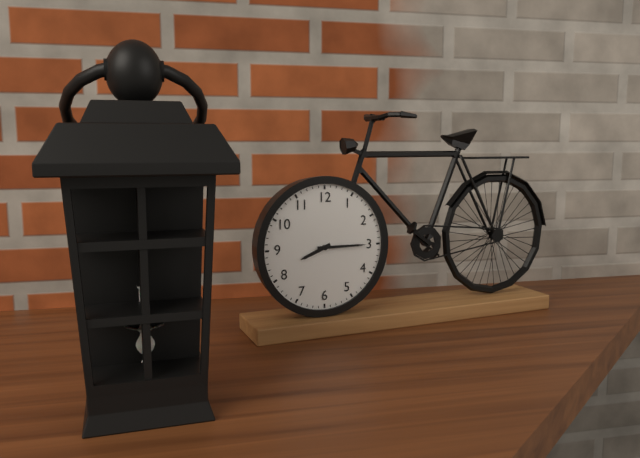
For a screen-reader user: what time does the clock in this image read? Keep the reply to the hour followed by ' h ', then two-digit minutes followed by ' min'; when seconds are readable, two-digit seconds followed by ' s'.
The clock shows 8 h 15 min
